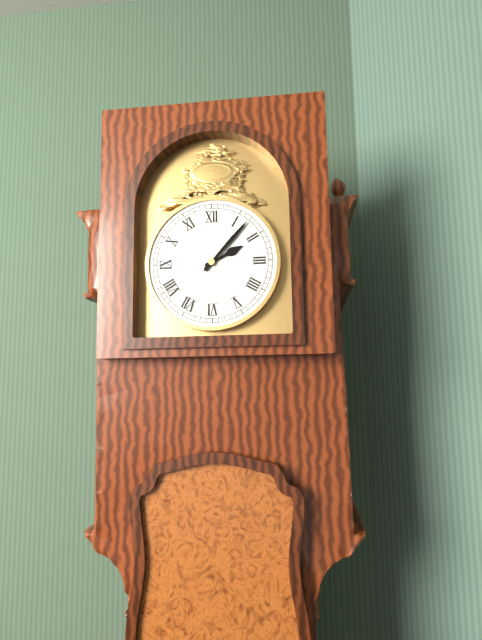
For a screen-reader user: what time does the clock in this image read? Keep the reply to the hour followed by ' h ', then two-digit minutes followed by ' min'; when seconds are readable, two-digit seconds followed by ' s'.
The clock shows 2 h 07 min
